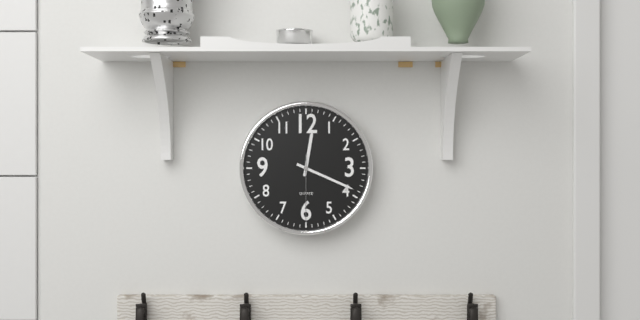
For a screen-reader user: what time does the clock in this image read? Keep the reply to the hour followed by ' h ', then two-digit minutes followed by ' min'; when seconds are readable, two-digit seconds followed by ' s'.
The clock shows 12 h 19 min 30 s
